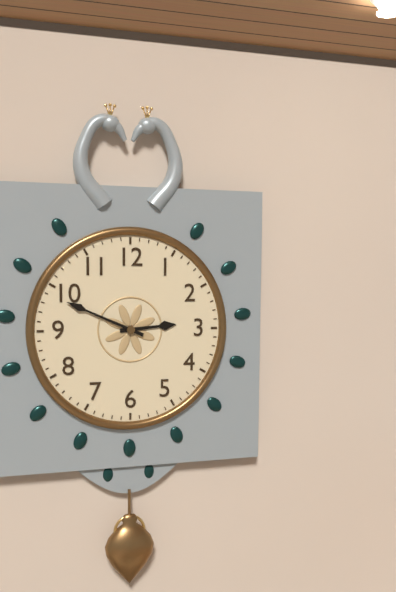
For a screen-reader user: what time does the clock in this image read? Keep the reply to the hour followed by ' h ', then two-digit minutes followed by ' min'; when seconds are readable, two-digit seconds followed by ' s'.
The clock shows 2 h 49 min
